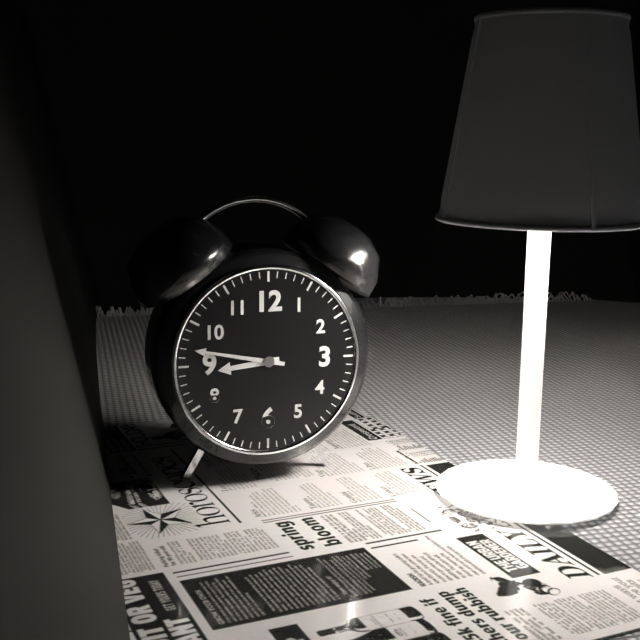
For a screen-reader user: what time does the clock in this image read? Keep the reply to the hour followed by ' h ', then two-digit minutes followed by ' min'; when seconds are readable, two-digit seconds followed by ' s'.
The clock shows 8 h 47 min
